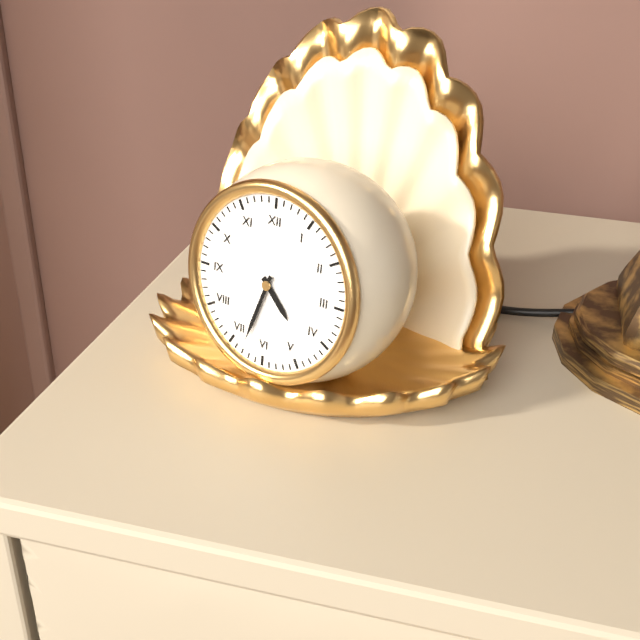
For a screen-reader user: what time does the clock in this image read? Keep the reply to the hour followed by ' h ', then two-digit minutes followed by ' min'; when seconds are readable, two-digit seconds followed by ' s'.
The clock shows 4 h 33 min
